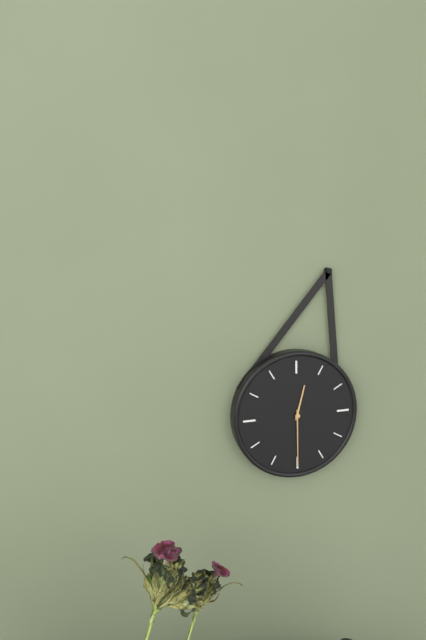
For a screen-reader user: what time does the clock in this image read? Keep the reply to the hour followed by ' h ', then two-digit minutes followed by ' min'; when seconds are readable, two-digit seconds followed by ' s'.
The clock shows 12 h 30 min
